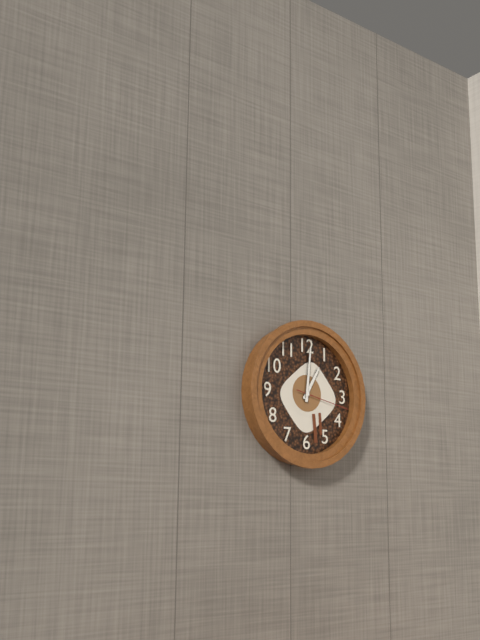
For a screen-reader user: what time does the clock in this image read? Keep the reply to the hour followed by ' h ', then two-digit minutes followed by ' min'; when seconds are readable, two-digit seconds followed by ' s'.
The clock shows 1 h 01 min 17 s
